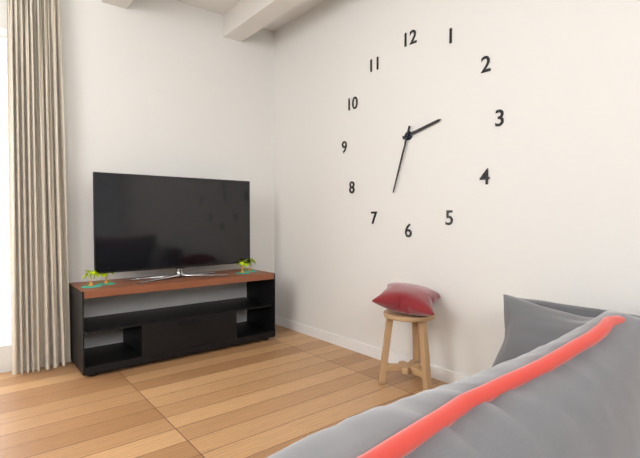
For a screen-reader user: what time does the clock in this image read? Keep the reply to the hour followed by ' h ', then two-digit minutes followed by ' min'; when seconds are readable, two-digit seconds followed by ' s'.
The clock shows 2 h 33 min
